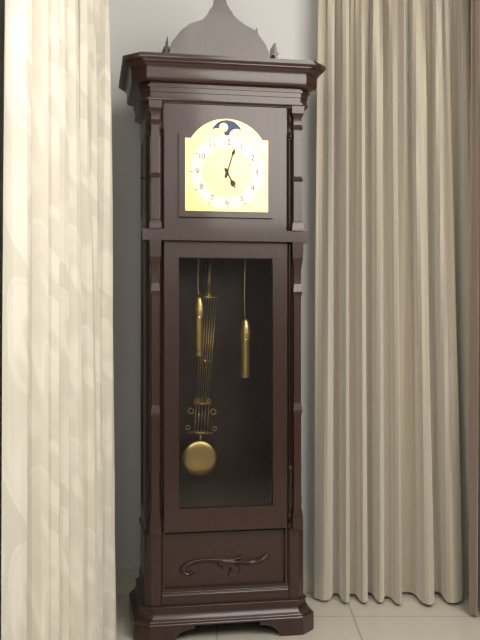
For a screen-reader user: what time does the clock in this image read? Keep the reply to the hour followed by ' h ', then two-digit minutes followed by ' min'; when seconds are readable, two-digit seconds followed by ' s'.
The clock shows 5 h 03 min
